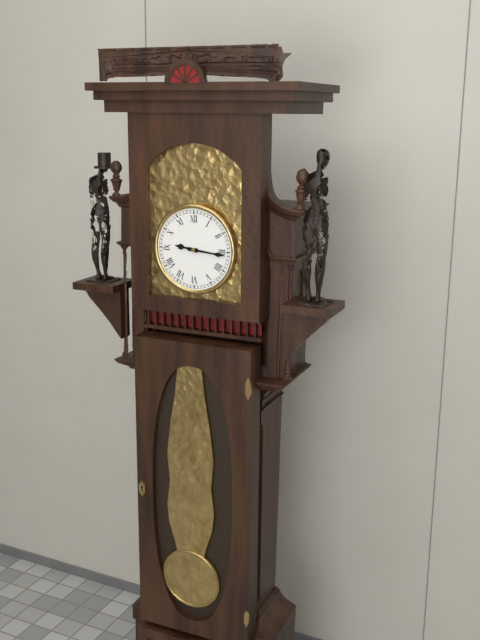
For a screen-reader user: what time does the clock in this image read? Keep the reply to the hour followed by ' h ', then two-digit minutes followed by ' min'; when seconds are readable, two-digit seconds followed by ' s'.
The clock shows 9 h 16 min
